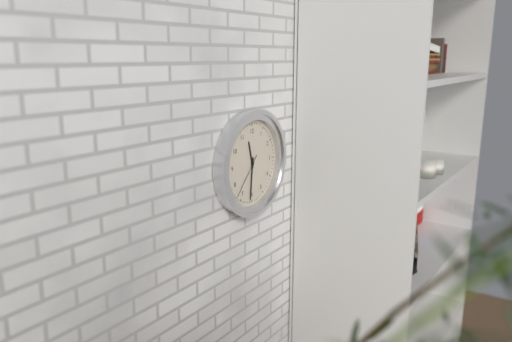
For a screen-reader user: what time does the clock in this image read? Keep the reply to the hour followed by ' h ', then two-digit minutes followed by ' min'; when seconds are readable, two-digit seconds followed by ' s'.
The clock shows 11 h 31 min
